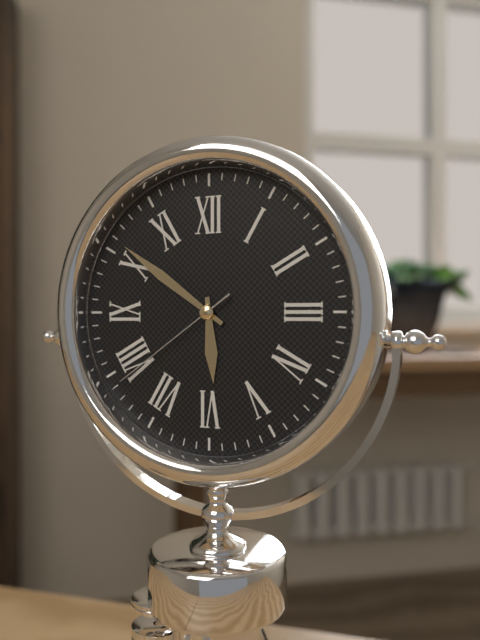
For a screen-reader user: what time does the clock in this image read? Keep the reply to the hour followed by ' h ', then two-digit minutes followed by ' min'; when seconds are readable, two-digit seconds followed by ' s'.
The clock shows 5 h 51 min 39 s
